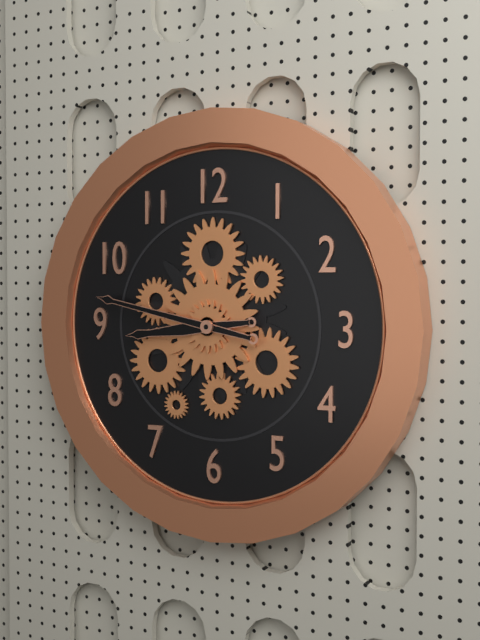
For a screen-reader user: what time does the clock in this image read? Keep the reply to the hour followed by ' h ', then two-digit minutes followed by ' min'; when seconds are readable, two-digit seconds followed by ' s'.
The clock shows 8 h 47 min
